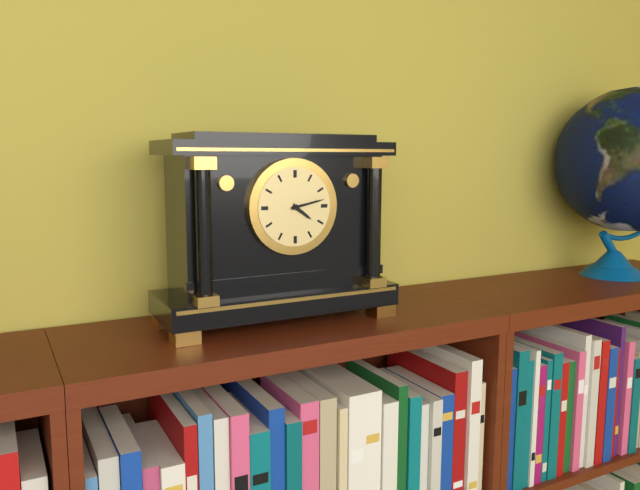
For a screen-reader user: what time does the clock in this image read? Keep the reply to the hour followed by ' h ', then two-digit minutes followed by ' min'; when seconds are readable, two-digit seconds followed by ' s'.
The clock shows 4 h 13 min
